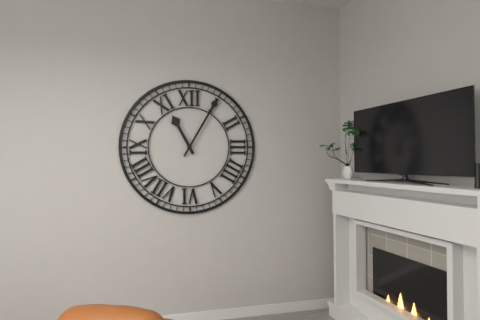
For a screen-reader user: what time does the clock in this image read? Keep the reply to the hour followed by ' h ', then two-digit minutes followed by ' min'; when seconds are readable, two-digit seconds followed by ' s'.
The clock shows 11 h 05 min
